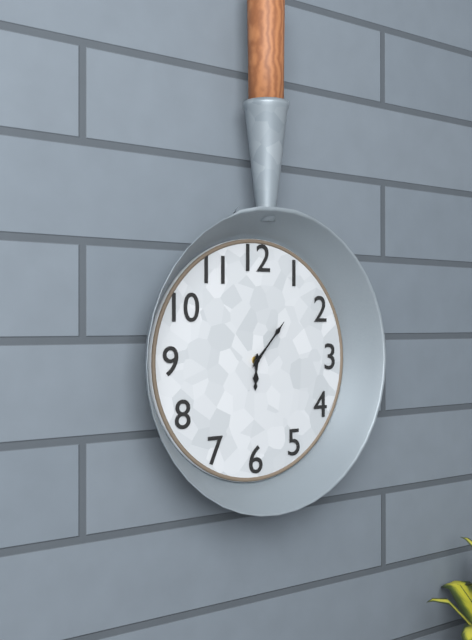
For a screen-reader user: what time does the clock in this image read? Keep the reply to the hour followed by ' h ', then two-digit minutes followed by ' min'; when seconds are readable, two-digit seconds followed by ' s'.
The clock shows 6 h 07 min
